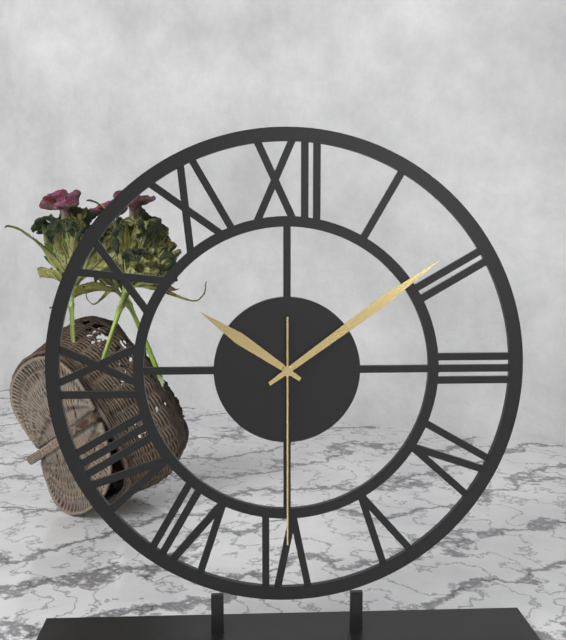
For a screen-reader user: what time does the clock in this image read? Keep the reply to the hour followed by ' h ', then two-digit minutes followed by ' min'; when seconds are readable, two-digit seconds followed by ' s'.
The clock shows 10 h 09 min 30 s
